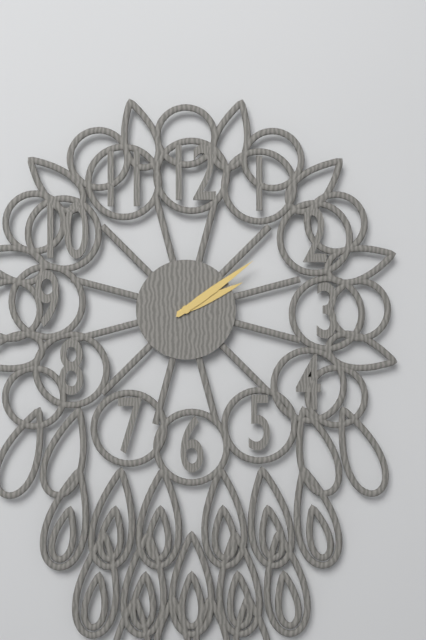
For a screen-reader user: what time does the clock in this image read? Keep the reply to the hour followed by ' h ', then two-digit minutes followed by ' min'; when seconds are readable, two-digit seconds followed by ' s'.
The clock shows 2 h 09 min
